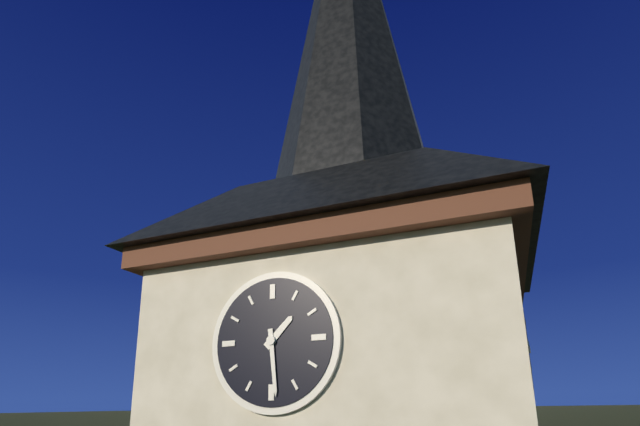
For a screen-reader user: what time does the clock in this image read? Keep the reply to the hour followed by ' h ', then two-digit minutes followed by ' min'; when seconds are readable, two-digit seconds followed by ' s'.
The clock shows 1 h 29 min
